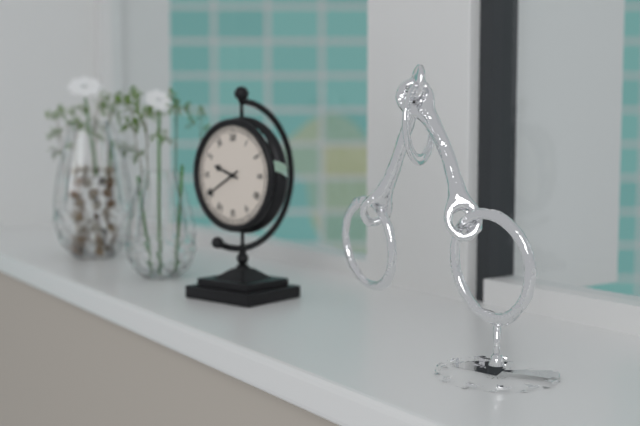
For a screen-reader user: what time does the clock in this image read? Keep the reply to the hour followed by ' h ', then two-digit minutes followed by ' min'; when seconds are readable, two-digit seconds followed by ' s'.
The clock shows 9 h 40 min
